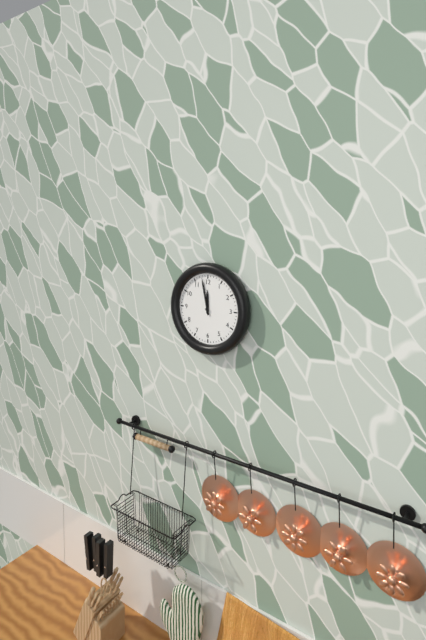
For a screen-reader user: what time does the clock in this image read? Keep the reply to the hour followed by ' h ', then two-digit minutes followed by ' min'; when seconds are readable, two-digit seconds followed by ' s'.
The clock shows 11 h 58 min
